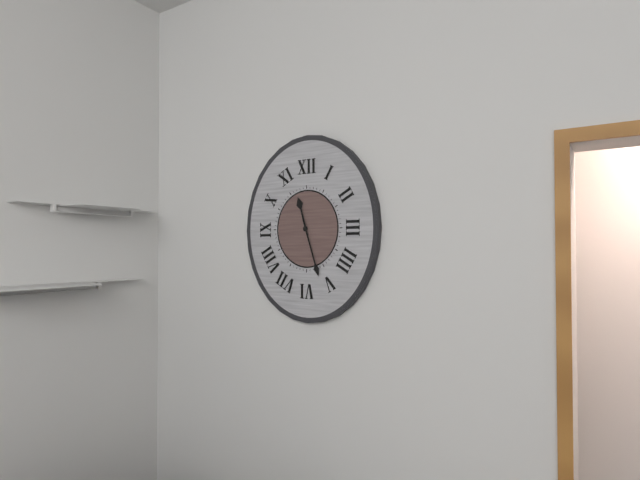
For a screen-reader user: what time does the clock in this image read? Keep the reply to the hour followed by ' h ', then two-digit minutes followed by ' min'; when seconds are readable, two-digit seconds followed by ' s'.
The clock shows 11 h 27 min
